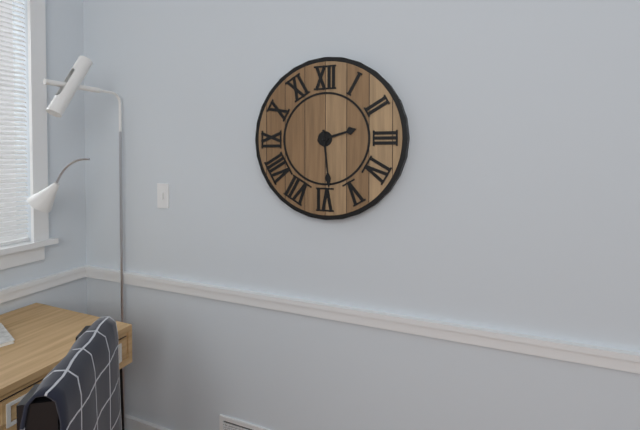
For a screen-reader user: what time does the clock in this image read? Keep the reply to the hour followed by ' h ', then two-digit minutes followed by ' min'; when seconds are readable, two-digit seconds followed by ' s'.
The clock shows 2 h 29 min
